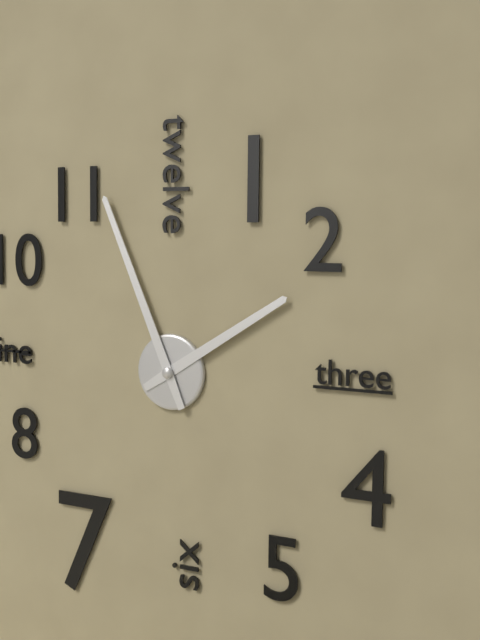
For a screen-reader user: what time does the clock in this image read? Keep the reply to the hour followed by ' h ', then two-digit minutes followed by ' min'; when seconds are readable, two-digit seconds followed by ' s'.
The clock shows 1 h 56 min
